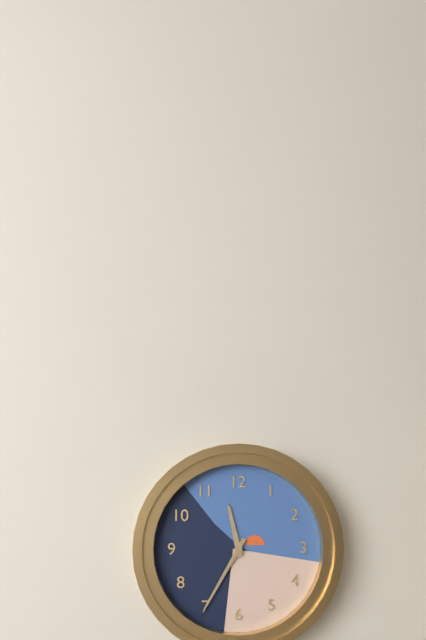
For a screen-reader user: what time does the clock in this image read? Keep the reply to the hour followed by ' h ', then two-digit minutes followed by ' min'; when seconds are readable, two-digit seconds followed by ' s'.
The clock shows 11 h 35 min
